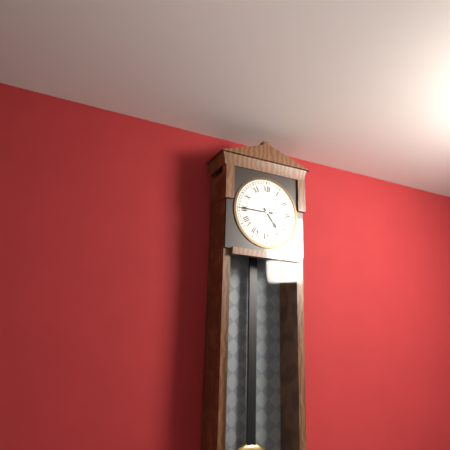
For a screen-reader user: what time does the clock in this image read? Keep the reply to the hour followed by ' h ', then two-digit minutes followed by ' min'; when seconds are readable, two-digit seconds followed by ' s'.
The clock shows 4 h 45 min
